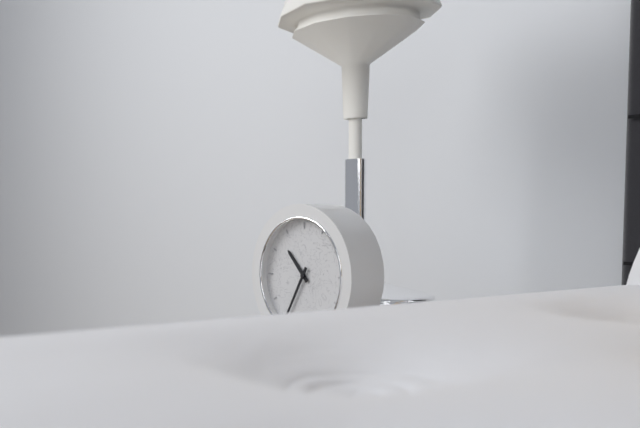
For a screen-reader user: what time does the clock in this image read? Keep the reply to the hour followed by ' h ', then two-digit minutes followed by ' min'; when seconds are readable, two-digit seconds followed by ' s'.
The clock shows 10 h 35 min
